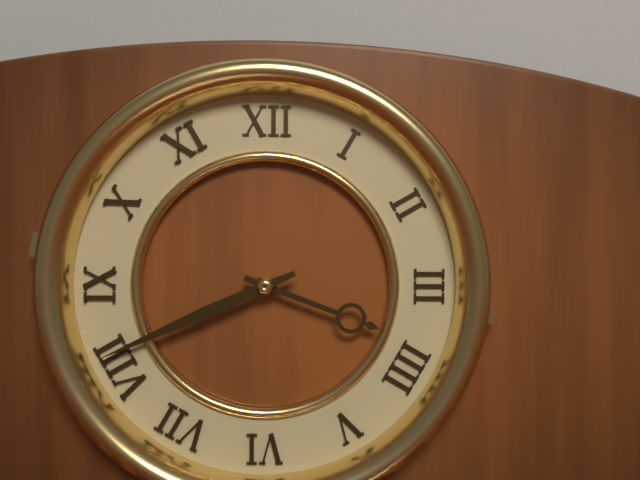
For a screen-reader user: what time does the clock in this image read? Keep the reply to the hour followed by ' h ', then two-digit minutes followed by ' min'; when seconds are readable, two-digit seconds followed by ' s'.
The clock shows 3 h 41 min
